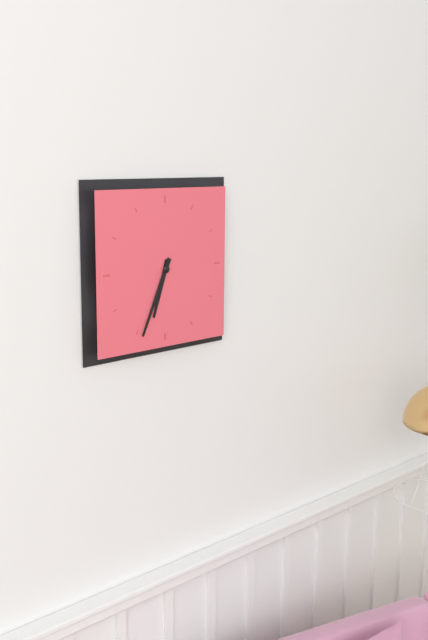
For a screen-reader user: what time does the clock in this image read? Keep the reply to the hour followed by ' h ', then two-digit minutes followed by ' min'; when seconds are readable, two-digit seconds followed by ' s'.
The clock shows 6 h 34 min
